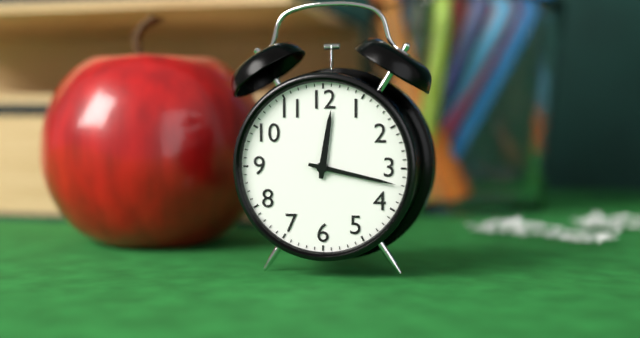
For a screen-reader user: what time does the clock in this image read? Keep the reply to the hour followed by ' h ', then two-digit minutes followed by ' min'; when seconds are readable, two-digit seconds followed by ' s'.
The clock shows 12 h 17 min
